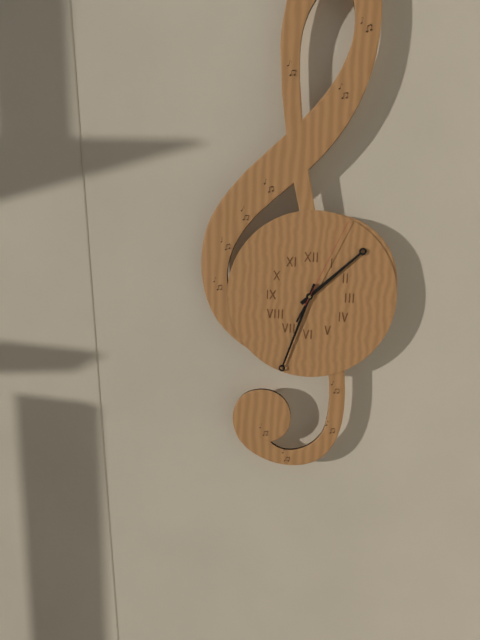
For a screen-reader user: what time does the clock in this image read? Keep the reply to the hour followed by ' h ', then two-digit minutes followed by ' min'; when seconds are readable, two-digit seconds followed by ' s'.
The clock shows 1 h 33 min 04 s
